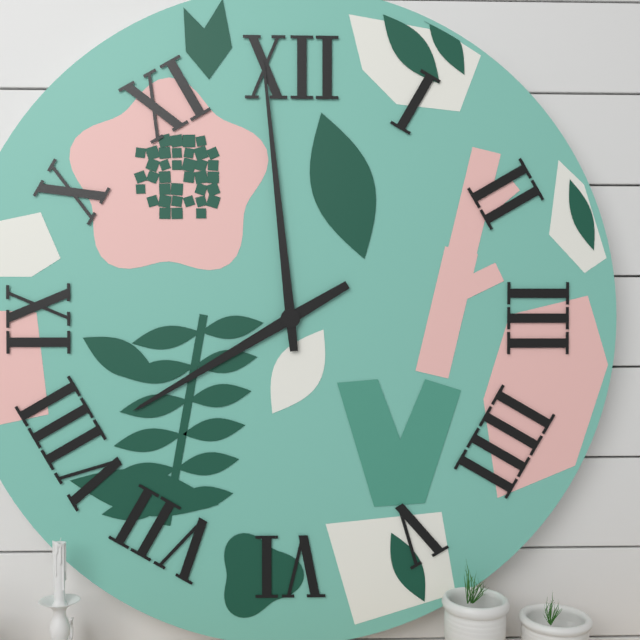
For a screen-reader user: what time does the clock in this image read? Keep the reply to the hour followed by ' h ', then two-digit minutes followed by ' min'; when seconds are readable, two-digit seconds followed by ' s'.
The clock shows 7 h 59 min
